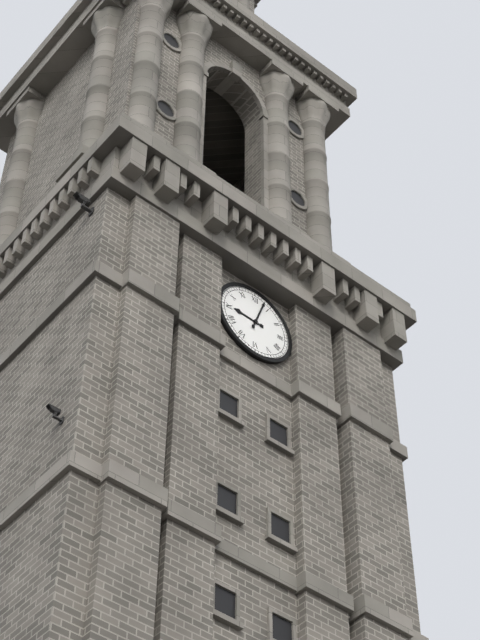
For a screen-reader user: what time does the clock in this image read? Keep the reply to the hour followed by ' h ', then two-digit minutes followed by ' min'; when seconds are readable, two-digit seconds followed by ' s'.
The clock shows 9 h 03 min
